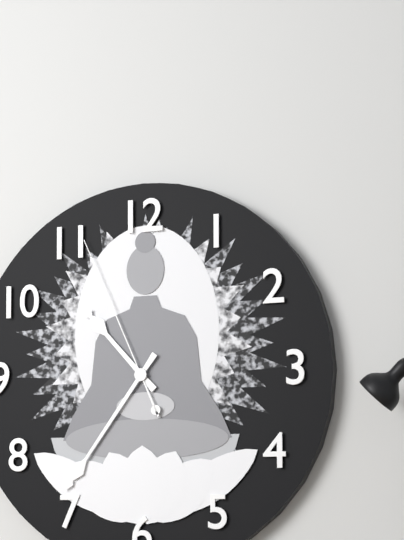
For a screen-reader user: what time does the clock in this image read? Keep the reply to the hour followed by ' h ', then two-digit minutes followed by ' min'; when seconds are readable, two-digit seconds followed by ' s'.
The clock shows 10 h 36 min 56 s
